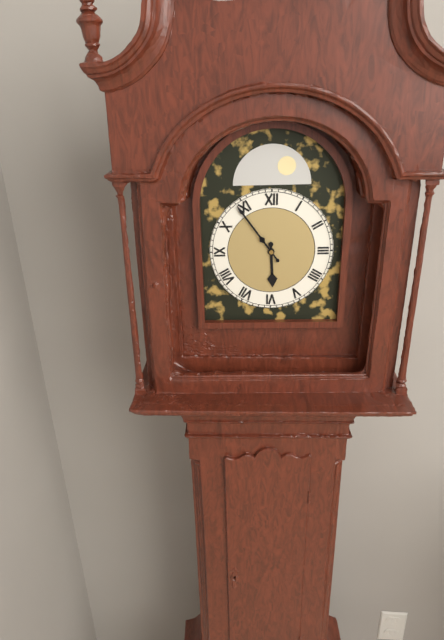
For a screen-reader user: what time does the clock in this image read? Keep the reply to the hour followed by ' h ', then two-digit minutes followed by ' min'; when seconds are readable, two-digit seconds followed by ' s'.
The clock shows 5 h 54 min
